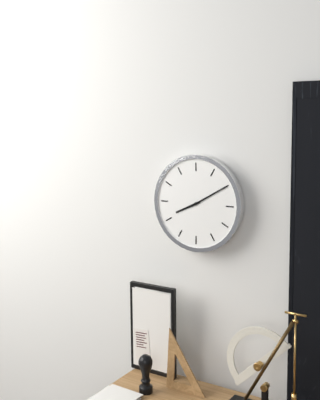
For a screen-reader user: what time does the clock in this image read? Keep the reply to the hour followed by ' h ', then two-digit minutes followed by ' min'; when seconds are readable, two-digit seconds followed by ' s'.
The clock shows 8 h 10 min
